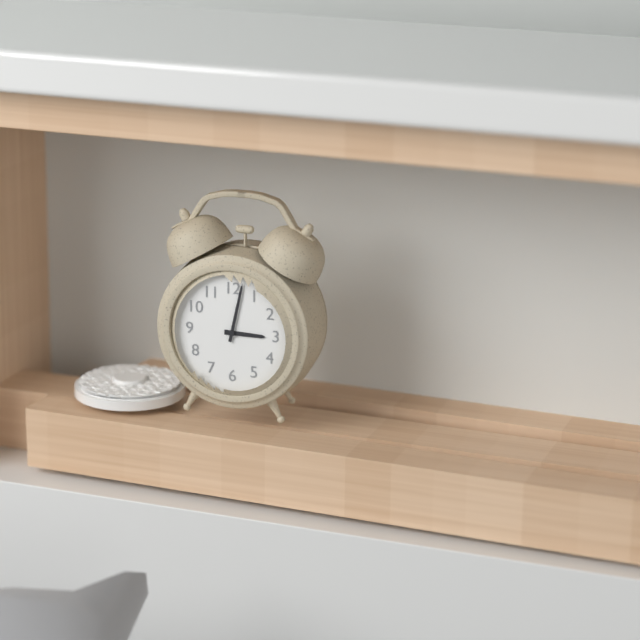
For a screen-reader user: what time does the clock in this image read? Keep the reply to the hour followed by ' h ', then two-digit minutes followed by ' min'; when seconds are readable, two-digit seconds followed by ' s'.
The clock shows 3 h 02 min
